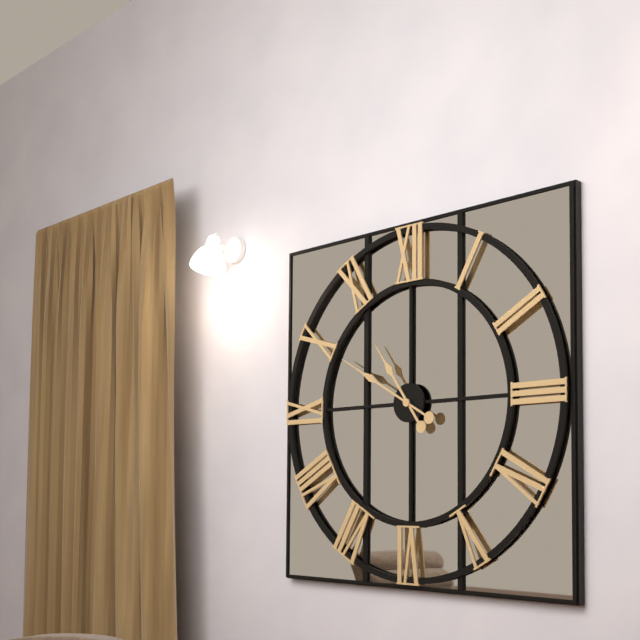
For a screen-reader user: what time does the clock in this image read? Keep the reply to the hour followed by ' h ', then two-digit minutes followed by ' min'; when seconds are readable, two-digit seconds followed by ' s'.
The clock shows 10 h 50 min
